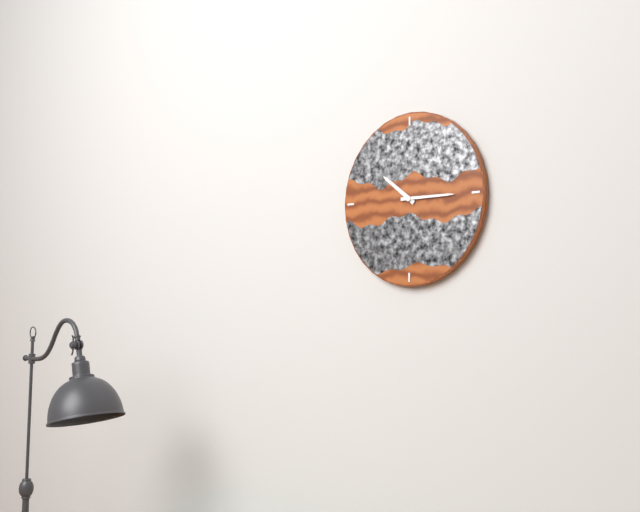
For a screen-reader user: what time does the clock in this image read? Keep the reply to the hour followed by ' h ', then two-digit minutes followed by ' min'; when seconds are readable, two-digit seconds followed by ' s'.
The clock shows 10 h 15 min
